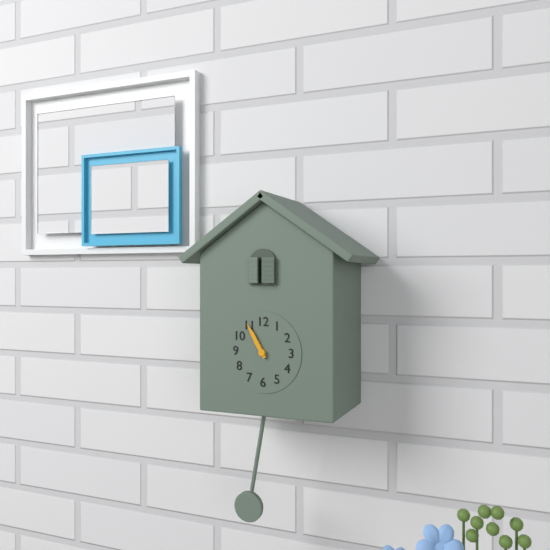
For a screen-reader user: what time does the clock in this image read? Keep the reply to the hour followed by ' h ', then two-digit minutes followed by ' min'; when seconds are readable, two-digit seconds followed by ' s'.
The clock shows 10 h 55 min
